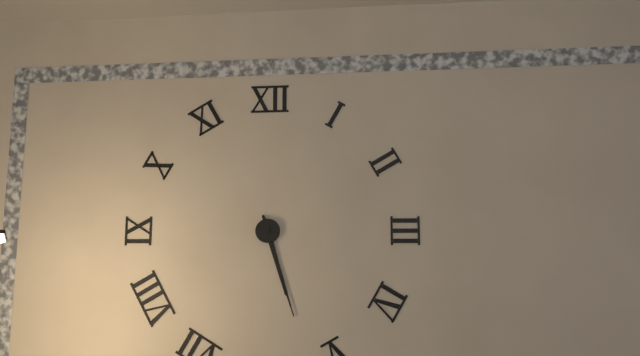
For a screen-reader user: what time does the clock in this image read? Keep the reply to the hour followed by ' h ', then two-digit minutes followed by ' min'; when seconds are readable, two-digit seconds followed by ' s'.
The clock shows 5 h 27 min
